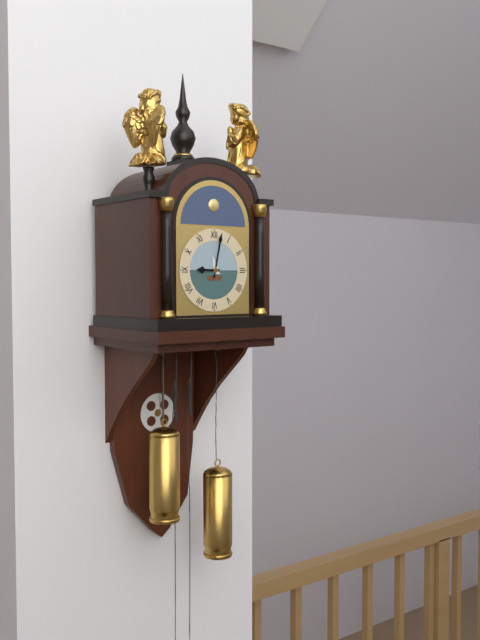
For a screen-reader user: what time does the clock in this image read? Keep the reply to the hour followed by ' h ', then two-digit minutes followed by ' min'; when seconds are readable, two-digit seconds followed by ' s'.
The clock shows 9 h 02 min
